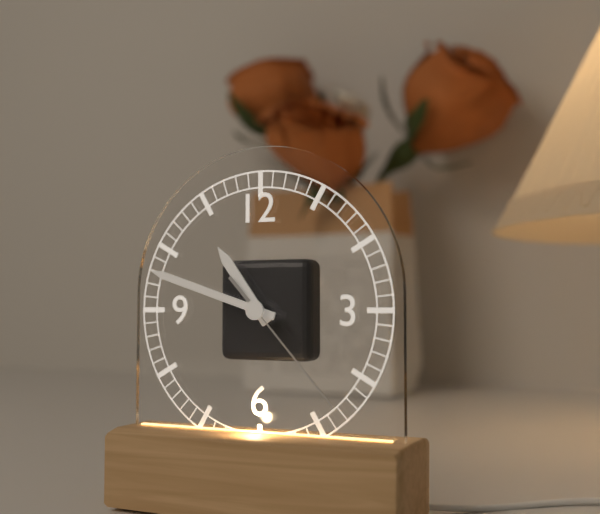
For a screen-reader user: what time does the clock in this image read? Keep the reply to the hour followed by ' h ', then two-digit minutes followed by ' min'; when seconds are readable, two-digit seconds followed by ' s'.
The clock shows 10 h 48 min 23 s
